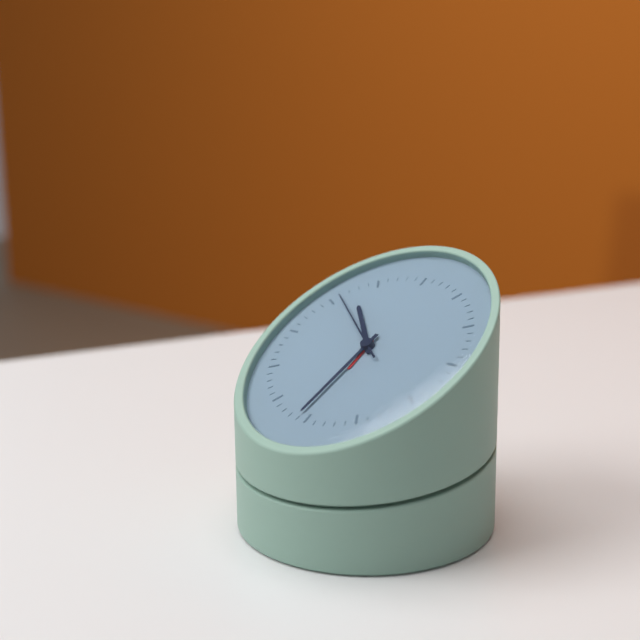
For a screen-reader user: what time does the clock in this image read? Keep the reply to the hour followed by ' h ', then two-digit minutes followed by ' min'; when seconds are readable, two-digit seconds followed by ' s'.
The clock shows 10 h 31 min 51 s
